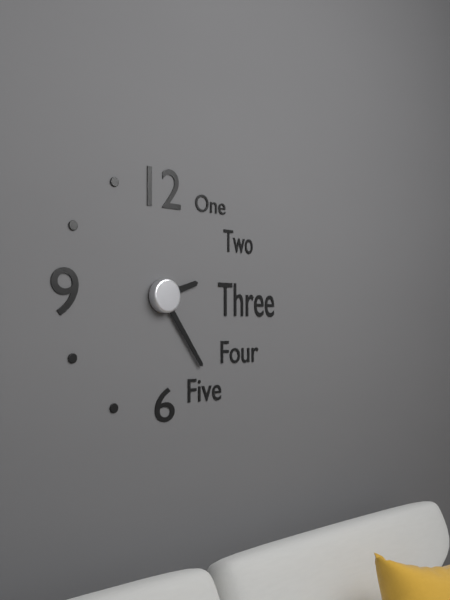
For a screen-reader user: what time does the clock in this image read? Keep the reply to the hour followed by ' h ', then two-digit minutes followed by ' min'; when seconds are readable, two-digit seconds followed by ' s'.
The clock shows 2 h 24 min
